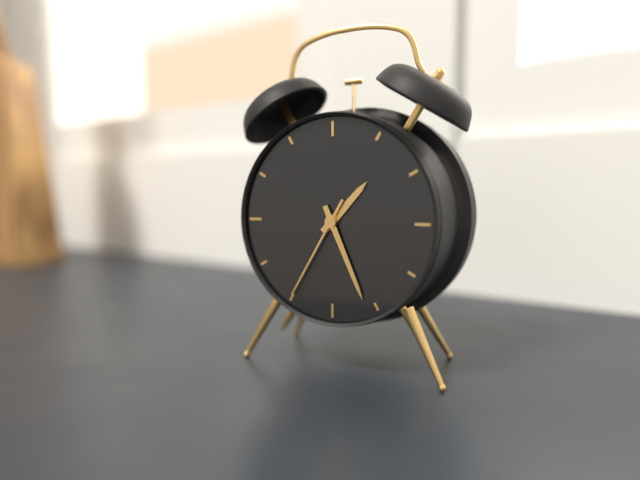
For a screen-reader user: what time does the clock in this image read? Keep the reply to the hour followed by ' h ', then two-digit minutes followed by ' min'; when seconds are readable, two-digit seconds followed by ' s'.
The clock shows 1 h 26 min 35 s
